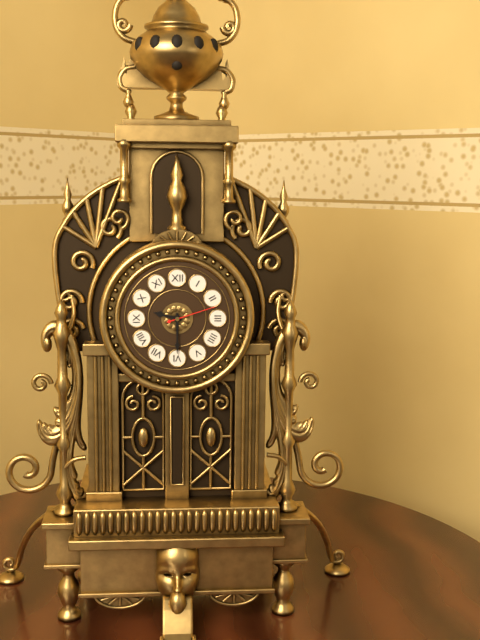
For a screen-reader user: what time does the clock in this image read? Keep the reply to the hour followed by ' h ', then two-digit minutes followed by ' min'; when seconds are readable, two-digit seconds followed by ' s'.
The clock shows 9 h 30 min 12 s
